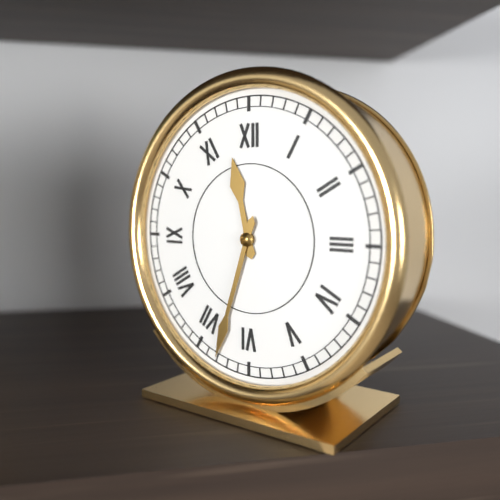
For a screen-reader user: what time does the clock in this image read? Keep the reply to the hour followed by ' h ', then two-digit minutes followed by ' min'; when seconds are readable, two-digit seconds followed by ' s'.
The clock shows 11 h 33 min
